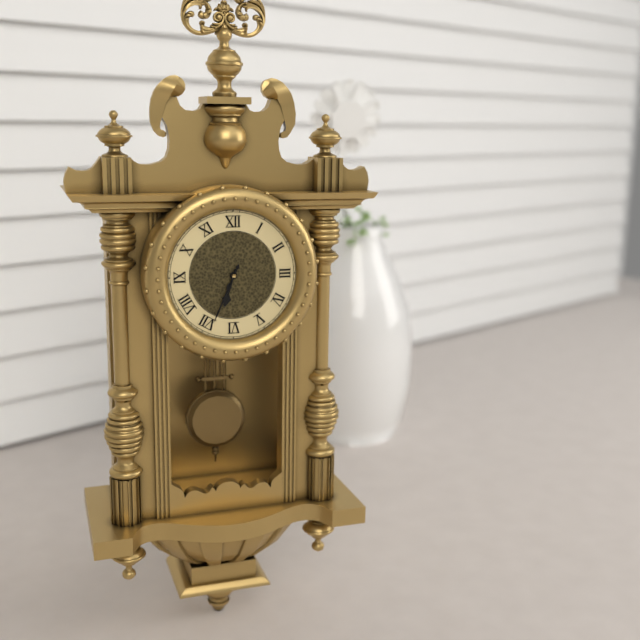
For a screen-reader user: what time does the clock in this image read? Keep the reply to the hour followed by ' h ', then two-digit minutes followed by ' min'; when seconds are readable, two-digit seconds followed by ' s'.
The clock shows 6 h 34 min
